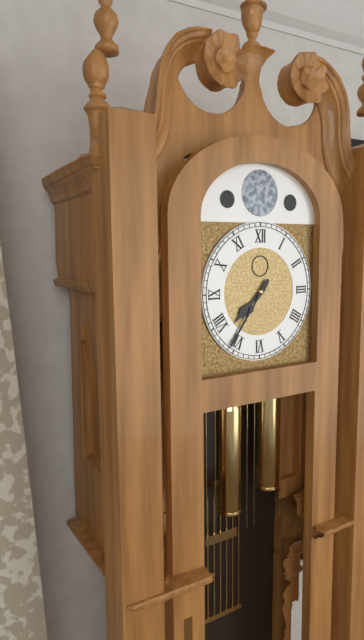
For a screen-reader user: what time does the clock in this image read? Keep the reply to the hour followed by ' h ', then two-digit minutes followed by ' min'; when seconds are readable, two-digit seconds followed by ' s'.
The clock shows 7 h 36 min
